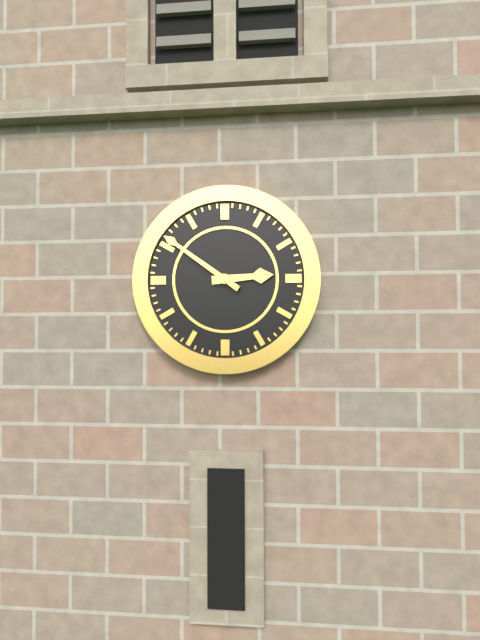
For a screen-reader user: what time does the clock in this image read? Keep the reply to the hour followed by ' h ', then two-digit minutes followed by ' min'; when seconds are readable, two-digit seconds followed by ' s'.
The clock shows 2 h 51 min
